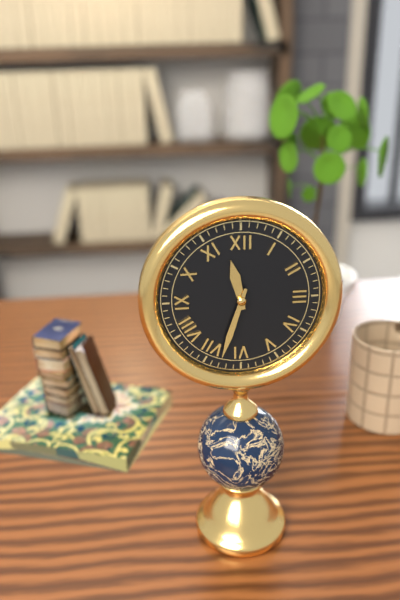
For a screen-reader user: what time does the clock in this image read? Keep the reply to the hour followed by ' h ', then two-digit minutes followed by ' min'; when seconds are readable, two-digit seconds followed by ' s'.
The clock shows 11 h 33 min
